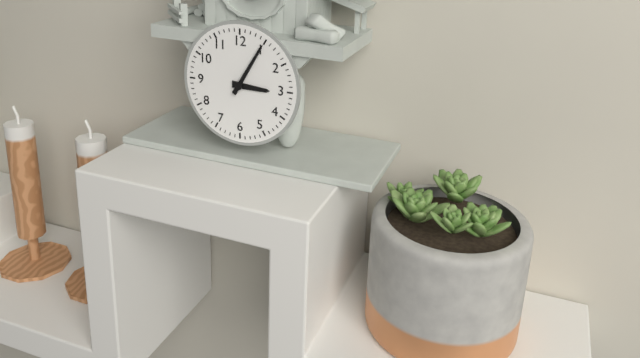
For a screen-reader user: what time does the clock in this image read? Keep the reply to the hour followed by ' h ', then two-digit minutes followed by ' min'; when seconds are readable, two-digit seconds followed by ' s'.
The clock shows 3 h 05 min
